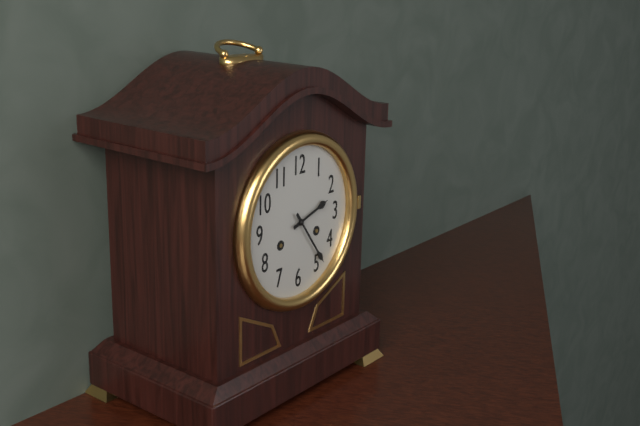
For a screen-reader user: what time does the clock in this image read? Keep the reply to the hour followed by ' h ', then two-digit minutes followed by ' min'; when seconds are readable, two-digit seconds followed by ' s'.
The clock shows 2 h 24 min
